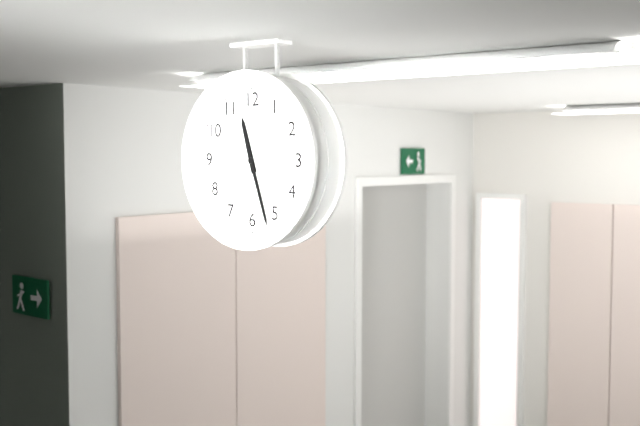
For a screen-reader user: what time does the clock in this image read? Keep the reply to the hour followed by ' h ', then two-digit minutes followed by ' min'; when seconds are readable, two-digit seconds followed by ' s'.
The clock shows 11 h 27 min
